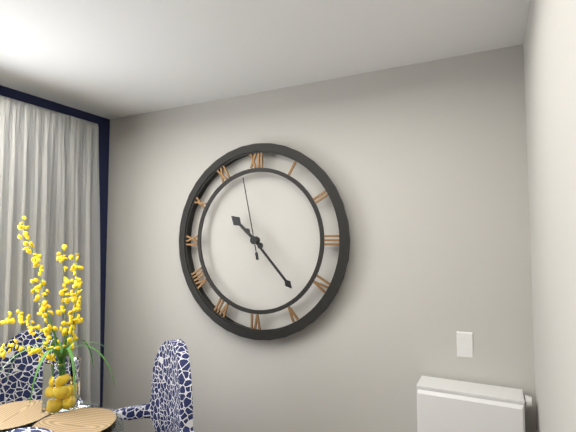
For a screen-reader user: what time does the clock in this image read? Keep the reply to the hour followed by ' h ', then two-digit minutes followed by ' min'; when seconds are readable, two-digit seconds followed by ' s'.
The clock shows 10 h 23 min 58 s
